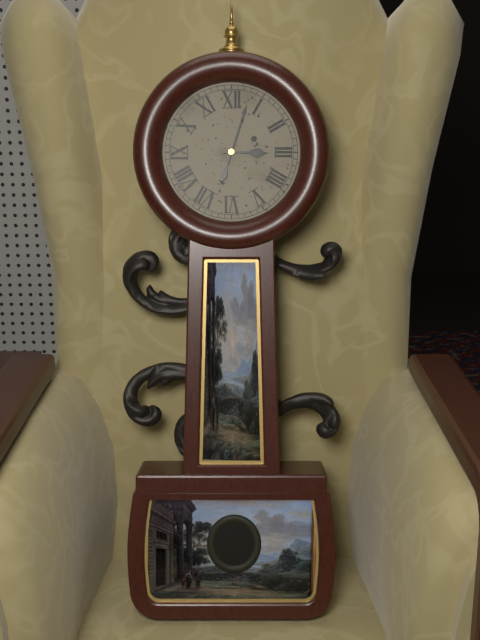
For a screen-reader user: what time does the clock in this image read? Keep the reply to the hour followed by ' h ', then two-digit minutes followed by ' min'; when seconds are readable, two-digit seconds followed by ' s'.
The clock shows 3 h 03 min
